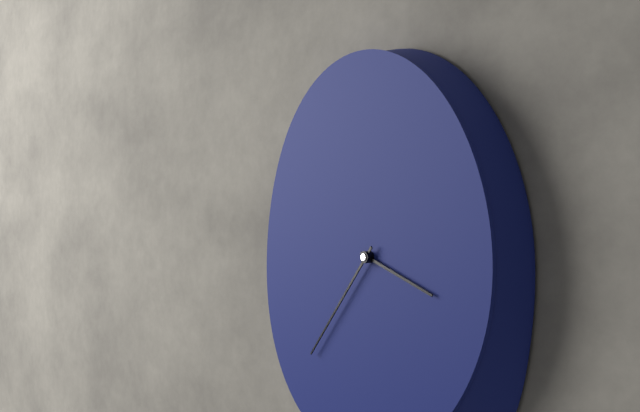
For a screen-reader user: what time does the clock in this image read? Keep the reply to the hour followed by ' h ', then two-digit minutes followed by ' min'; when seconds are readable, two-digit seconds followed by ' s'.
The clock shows 3 h 37 min
